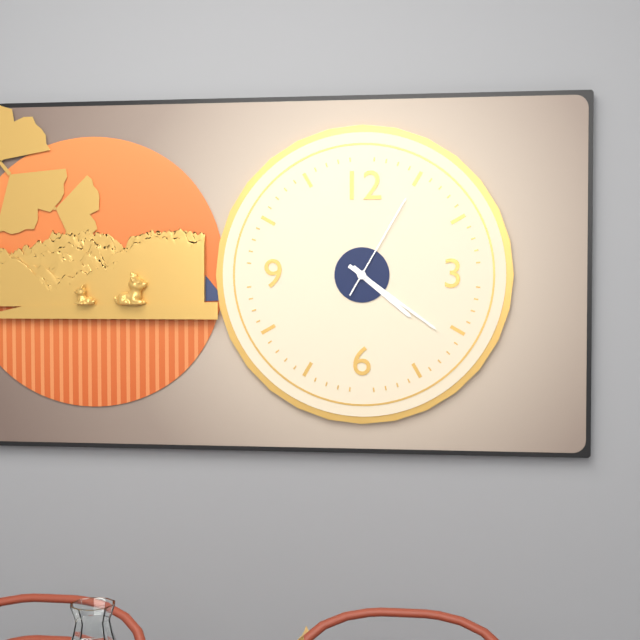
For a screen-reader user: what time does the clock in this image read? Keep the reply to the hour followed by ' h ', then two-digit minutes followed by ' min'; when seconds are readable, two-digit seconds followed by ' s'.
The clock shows 4 h 21 min 05 s
